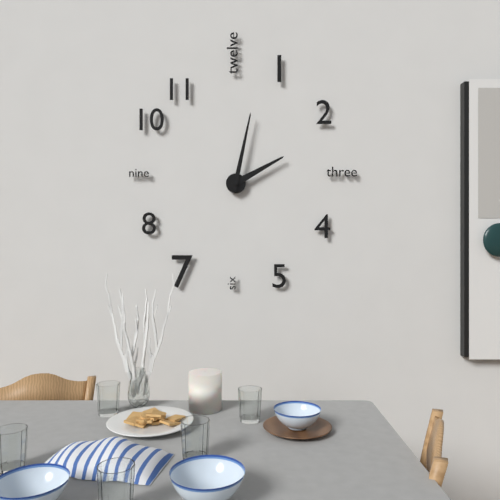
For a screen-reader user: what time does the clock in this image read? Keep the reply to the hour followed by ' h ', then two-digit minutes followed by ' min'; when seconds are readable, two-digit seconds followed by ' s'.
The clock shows 2 h 02 min
